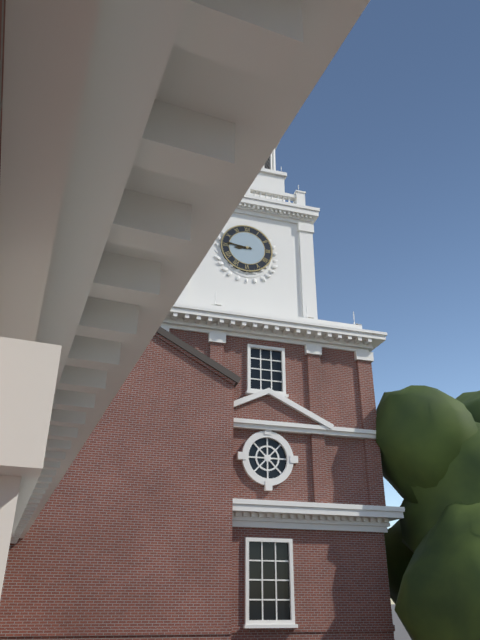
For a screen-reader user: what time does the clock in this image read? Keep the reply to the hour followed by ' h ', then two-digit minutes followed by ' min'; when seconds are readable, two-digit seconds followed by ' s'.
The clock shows 8 h 46 min
